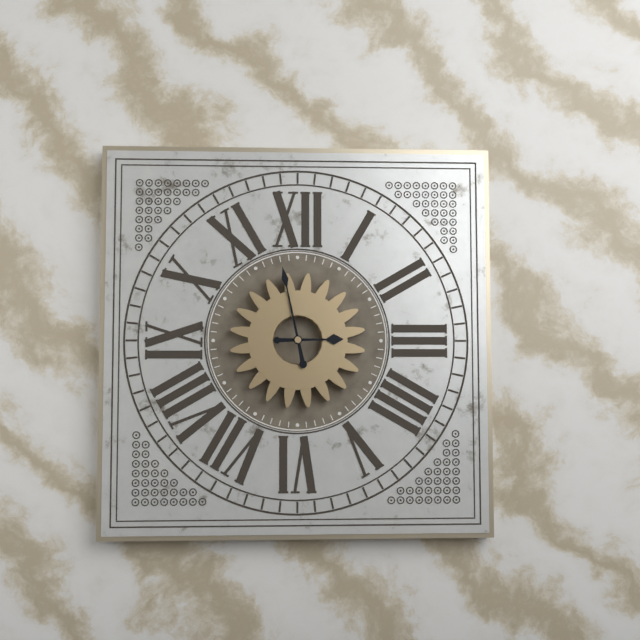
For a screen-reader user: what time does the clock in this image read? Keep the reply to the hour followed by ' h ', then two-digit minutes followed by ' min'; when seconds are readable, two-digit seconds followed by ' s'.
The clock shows 2 h 58 min
